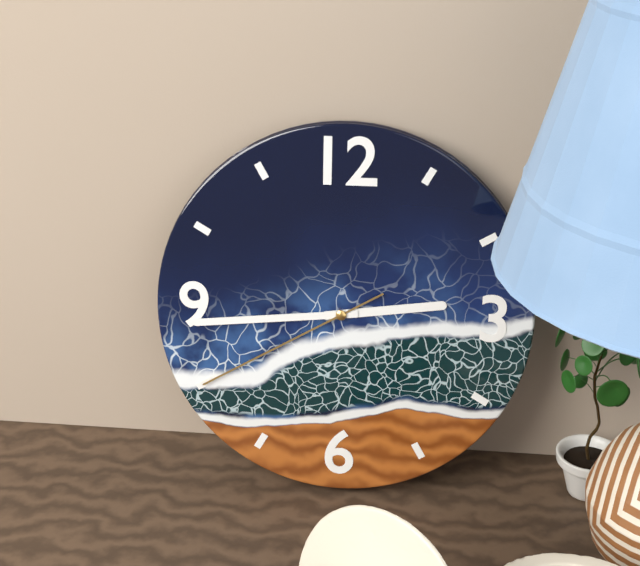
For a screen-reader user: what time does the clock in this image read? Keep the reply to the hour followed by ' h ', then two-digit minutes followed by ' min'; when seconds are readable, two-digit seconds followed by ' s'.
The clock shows 2 h 44 min 40 s
